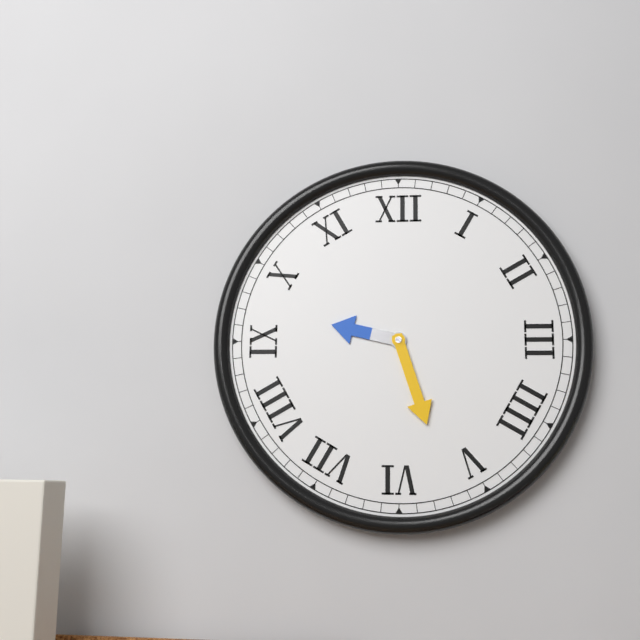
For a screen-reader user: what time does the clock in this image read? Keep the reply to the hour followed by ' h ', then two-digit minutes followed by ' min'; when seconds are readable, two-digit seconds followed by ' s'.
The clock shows 9 h 27 min
